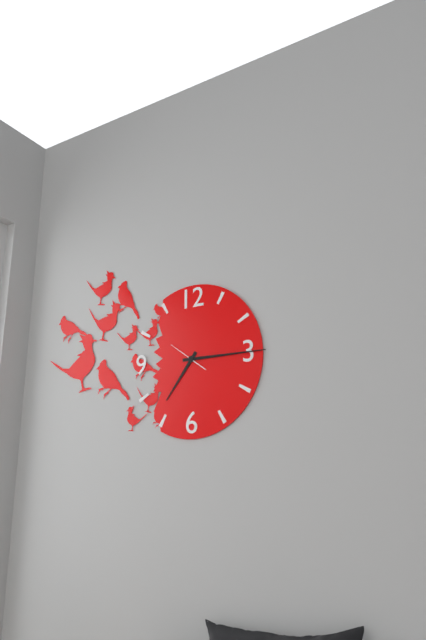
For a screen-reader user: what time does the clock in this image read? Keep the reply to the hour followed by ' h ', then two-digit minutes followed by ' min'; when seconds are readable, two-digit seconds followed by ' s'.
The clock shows 7 h 15 min
